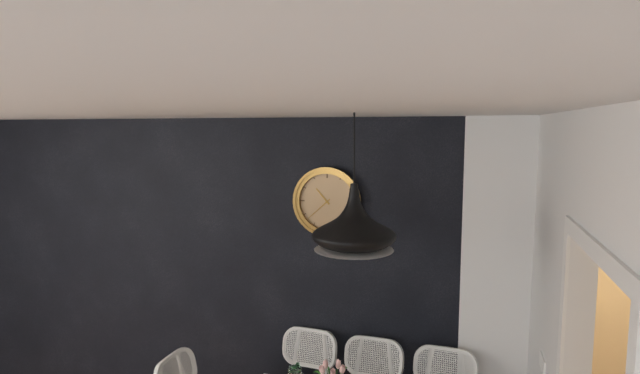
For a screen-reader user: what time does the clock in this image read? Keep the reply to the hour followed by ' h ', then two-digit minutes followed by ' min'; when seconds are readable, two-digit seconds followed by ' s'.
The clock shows 10 h 38 min
